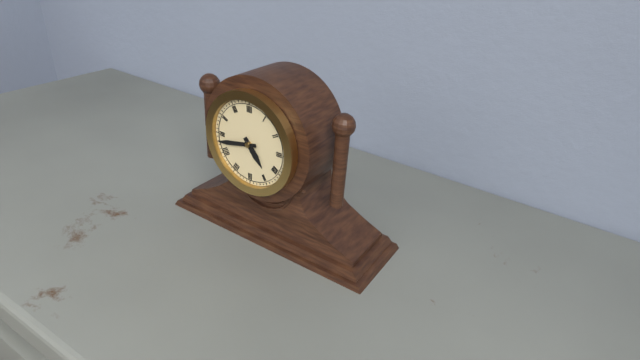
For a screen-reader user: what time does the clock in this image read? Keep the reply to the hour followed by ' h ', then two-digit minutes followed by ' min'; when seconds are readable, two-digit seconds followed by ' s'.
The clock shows 4 h 43 min
